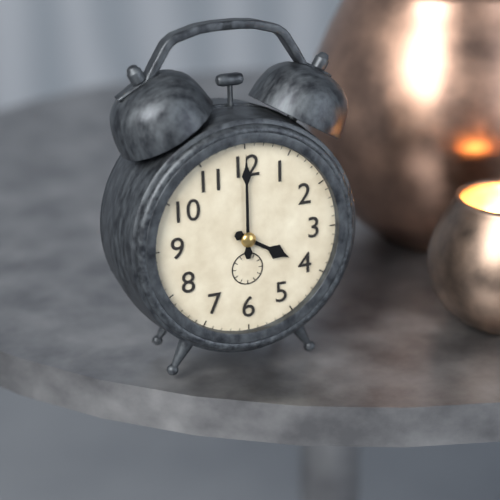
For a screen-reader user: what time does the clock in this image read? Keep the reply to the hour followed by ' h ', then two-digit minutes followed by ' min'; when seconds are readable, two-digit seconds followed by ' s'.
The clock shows 4 h 00 min
